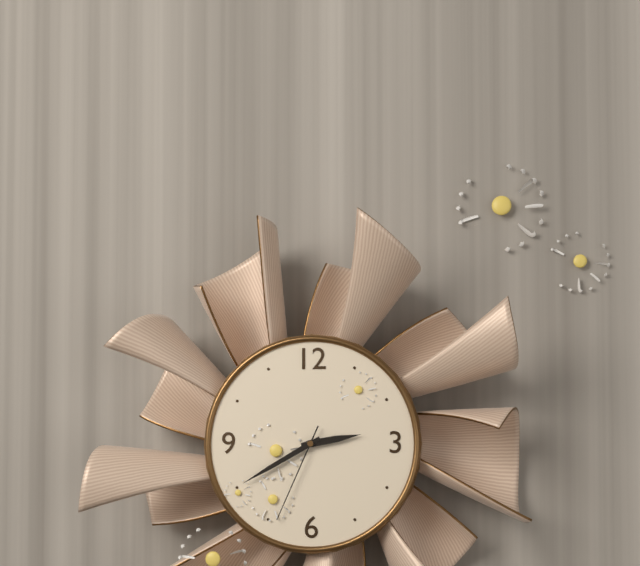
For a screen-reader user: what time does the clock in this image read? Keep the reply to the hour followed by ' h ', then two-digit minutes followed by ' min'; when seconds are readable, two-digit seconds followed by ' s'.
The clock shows 2 h 40 min 34 s
